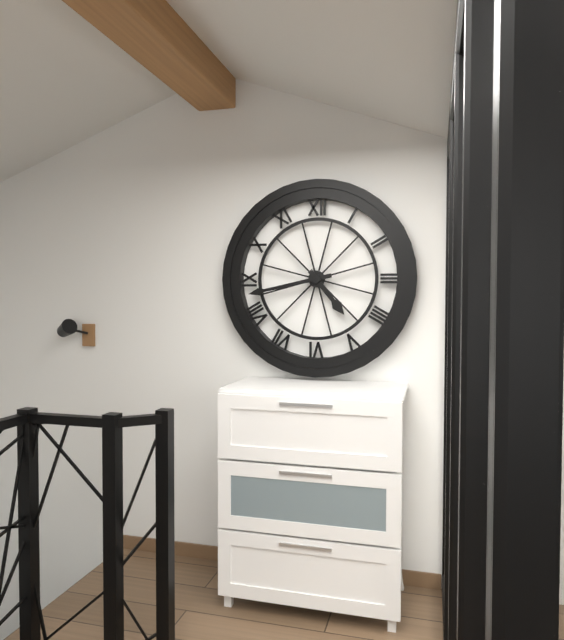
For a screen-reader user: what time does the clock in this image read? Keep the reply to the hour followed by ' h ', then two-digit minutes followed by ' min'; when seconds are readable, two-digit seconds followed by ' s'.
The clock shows 4 h 43 min
